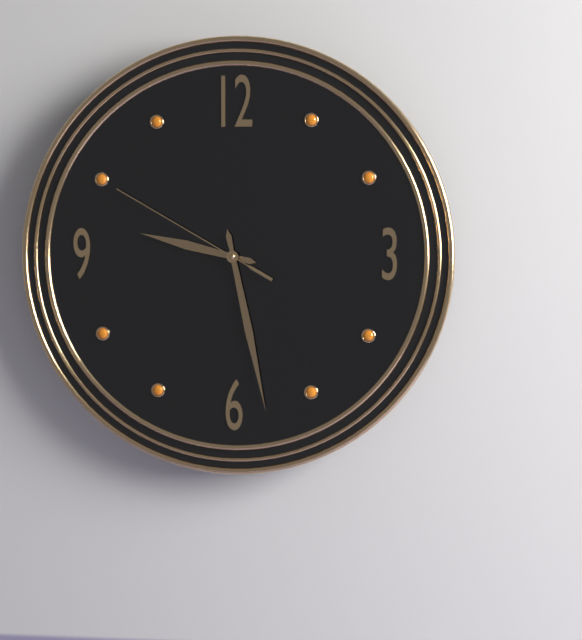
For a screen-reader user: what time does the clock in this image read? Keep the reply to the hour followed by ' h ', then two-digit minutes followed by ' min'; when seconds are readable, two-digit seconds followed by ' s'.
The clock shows 9 h 28 min 50 s
